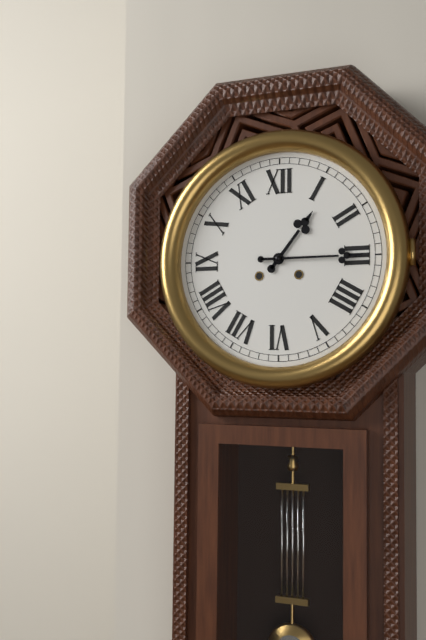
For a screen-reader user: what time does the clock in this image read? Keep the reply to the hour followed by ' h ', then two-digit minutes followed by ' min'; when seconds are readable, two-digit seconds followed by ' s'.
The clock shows 1 h 15 min
